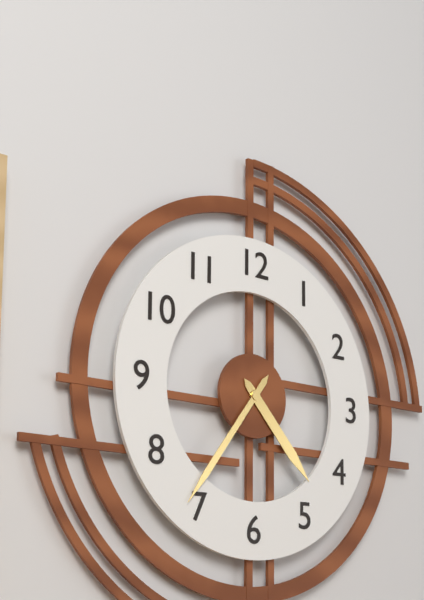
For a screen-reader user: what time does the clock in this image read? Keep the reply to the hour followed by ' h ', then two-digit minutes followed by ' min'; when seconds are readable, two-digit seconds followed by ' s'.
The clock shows 4 h 36 min
